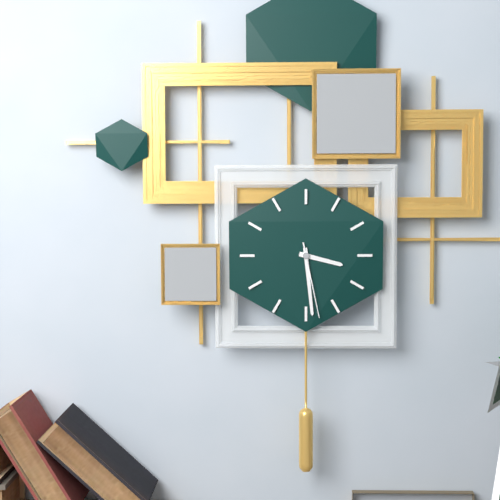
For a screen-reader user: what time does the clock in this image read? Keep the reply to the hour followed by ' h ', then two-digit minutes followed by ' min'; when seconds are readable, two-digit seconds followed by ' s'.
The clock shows 3 h 29 min 28 s
